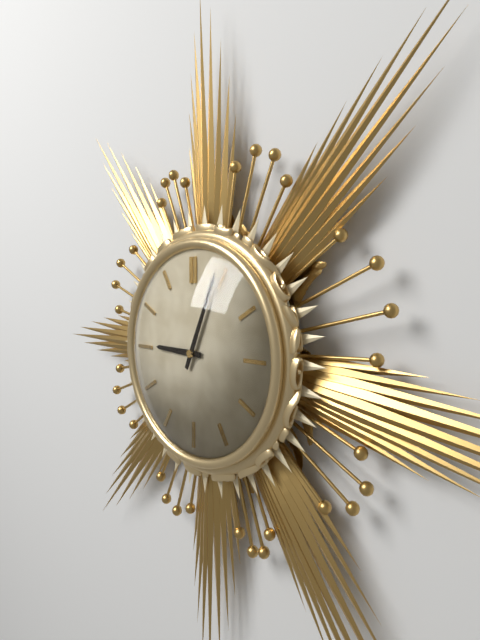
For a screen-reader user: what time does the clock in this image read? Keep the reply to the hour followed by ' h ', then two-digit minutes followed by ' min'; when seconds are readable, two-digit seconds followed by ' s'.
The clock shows 9 h 04 min
